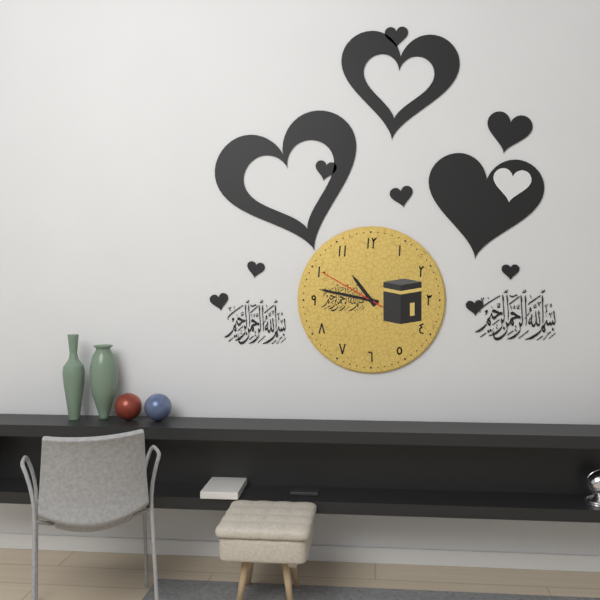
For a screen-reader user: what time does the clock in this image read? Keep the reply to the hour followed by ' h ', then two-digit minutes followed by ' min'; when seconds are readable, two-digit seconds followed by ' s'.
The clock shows 10 h 47 min 50 s
